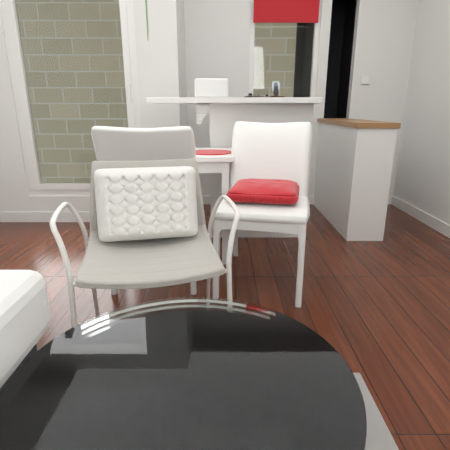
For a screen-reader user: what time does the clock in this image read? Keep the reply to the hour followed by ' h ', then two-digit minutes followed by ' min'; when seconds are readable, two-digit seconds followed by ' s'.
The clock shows 11 h 03 min
